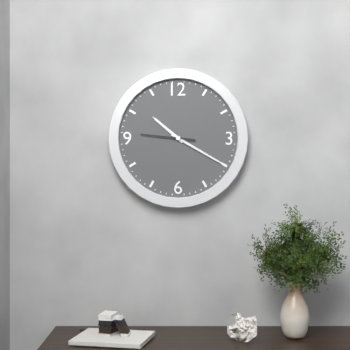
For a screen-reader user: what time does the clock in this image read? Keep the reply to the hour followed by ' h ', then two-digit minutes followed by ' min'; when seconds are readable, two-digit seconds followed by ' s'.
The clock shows 10 h 20 min
